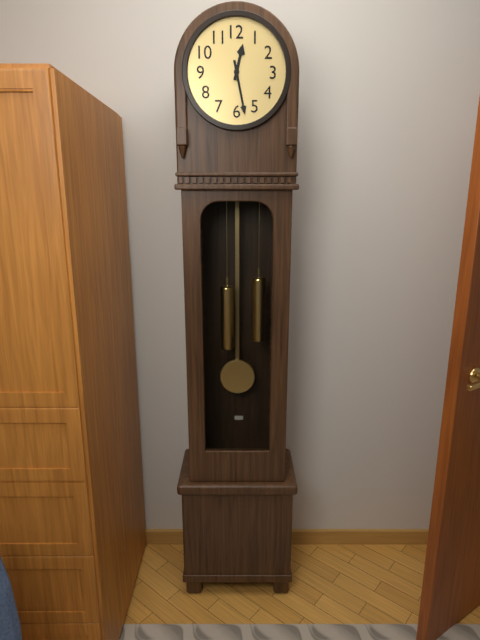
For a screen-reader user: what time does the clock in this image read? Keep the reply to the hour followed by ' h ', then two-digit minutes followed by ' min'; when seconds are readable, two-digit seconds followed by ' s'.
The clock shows 12 h 28 min
